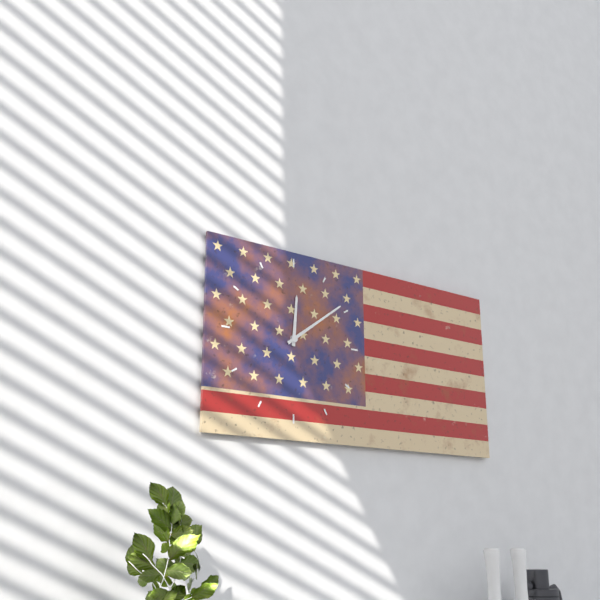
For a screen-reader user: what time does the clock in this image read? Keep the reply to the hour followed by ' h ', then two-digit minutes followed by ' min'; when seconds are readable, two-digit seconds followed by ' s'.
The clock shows 12 h 09 min
